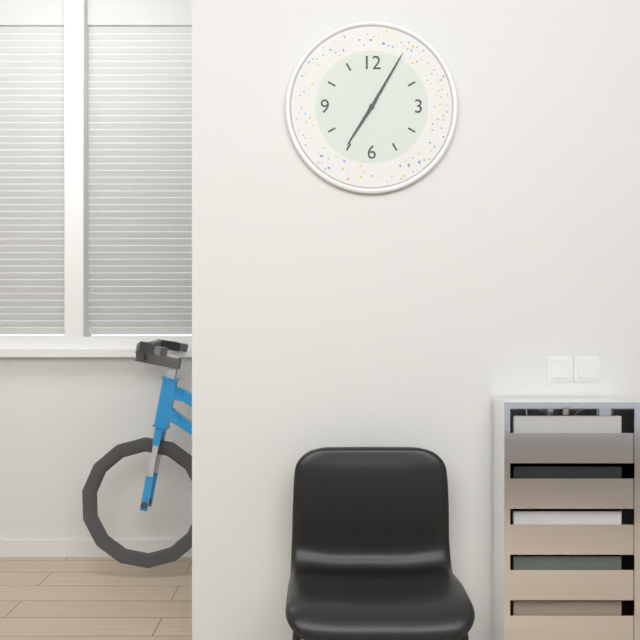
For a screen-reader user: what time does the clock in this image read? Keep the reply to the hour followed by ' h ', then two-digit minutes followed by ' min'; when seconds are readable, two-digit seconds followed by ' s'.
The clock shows 7 h 05 min
